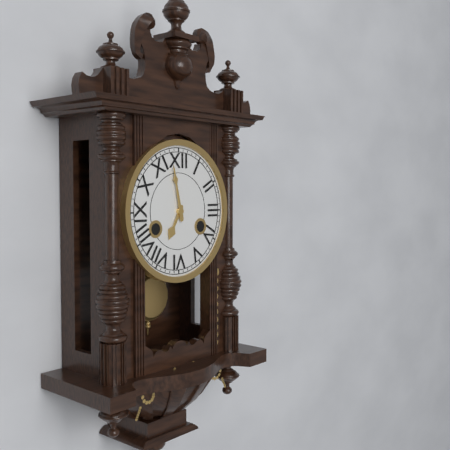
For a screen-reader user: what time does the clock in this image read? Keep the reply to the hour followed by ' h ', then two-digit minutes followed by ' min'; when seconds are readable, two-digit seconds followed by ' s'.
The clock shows 6 h 58 min
